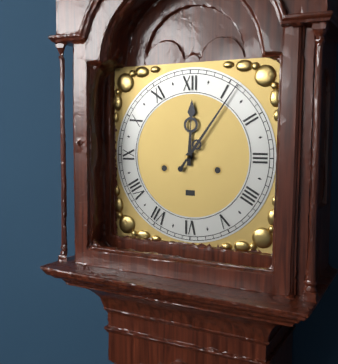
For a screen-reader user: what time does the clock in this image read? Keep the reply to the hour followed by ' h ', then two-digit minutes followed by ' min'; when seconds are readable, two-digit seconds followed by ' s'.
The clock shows 12 h 06 min
